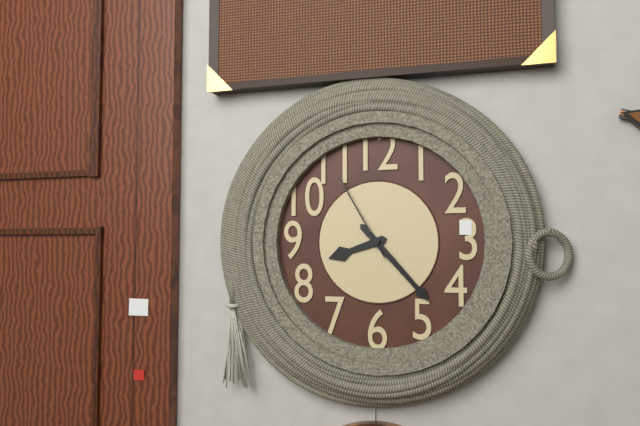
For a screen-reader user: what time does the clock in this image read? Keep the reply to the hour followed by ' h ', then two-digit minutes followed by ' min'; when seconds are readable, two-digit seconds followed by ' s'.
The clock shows 8 h 23 min 55 s
